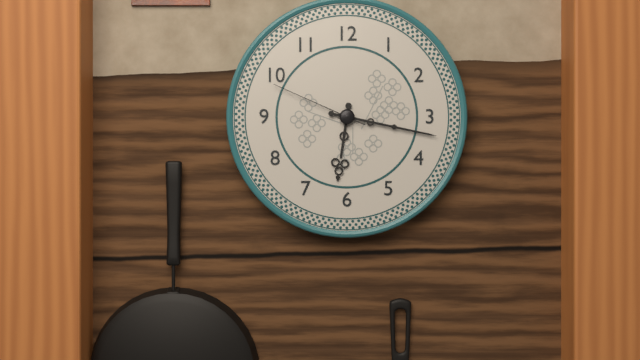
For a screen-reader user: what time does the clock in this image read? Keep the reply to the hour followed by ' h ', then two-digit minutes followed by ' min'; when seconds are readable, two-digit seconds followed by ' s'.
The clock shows 6 h 17 min 49 s
